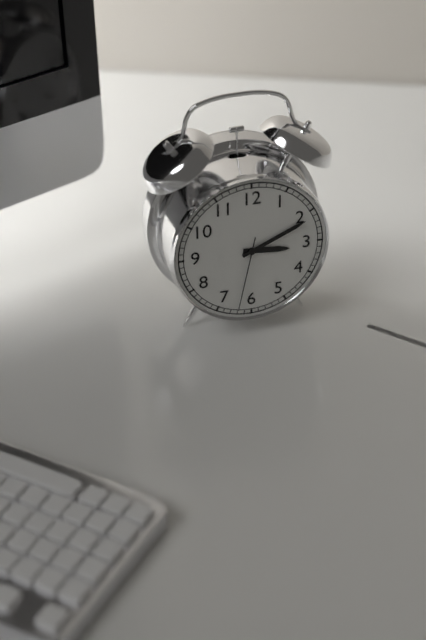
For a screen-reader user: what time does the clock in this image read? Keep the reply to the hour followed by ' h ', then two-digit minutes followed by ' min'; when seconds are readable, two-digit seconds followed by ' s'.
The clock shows 3 h 11 min 32 s
